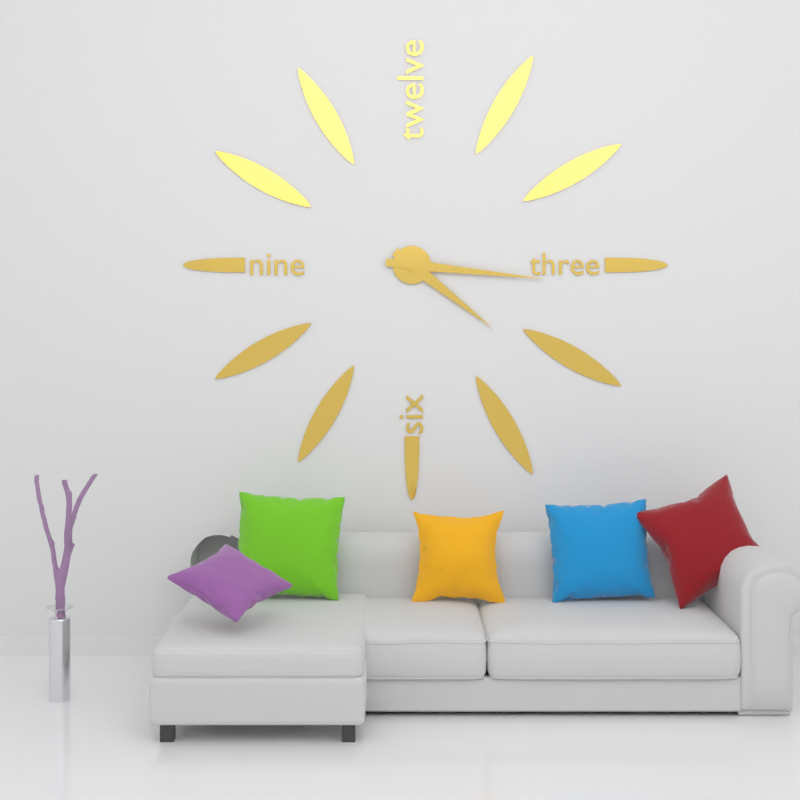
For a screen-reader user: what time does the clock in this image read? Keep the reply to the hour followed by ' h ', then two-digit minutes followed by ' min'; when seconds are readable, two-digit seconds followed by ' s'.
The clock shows 4 h 16 min
